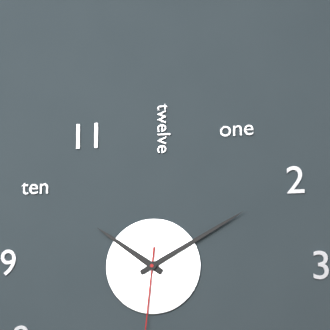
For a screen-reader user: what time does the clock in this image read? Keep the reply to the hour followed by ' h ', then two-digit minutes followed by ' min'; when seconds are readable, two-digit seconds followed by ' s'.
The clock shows 10 h 10 min
